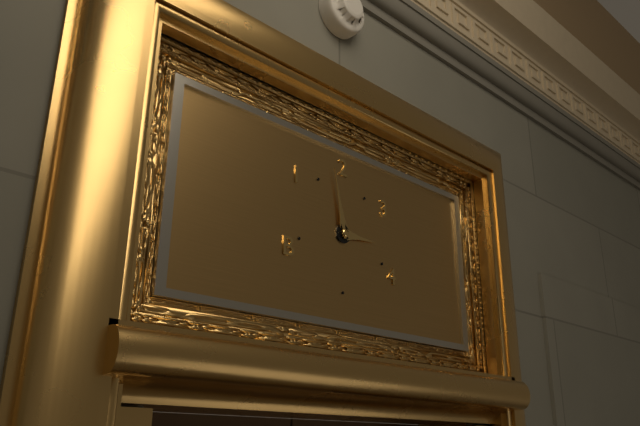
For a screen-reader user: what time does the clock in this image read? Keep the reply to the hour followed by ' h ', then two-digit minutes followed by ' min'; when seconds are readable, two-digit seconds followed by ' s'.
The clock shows 2 h 58 min
